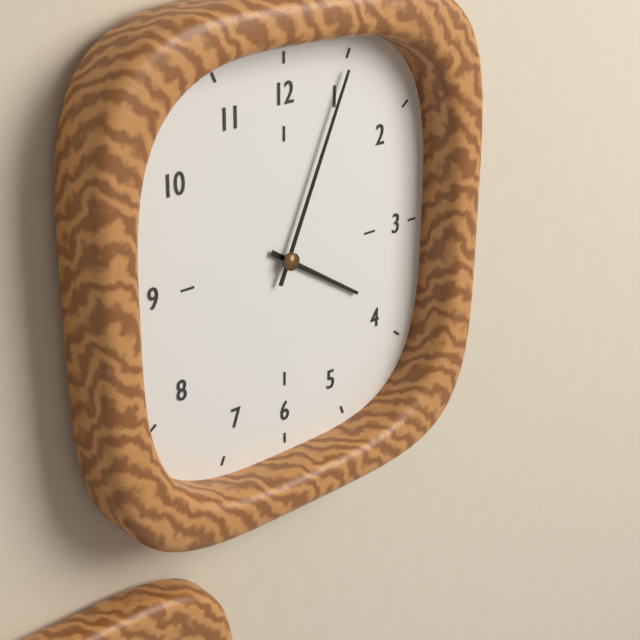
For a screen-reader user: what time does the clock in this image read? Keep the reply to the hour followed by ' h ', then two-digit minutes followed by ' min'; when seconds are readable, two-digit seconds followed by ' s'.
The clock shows 4 h 04 min
